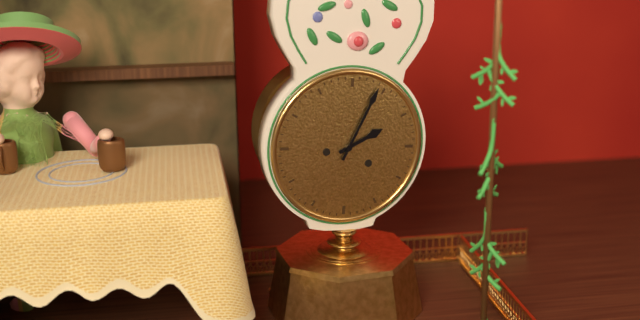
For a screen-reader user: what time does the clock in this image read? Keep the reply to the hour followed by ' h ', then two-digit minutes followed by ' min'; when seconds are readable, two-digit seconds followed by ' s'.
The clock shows 2 h 04 min
